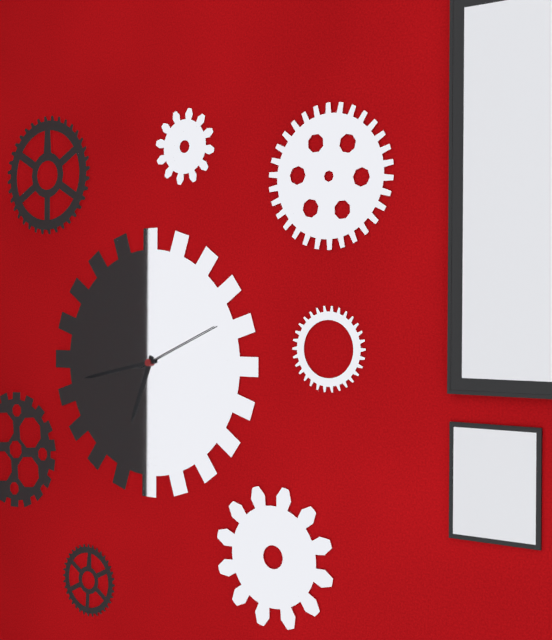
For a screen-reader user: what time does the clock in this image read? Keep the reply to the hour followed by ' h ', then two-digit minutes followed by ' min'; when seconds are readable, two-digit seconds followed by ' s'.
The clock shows 6 h 43 min 11 s
